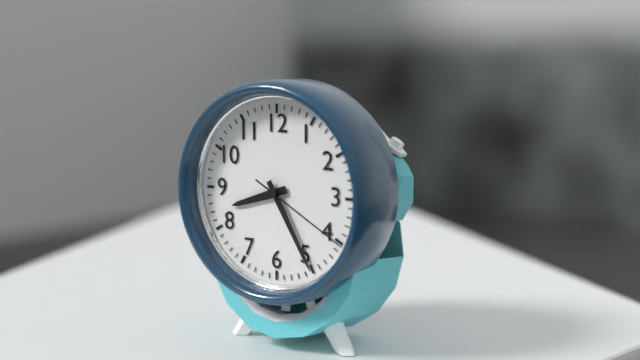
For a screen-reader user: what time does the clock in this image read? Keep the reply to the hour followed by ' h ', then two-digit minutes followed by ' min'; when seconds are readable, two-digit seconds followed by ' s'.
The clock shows 8 h 25 min 20 s
